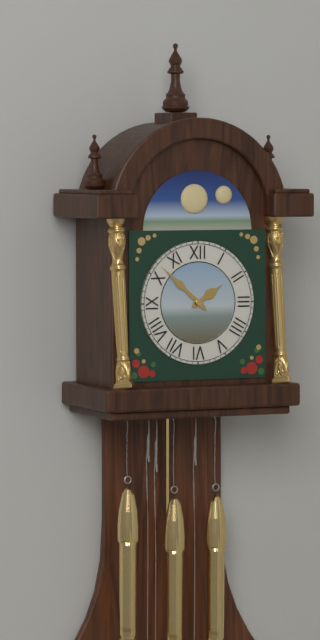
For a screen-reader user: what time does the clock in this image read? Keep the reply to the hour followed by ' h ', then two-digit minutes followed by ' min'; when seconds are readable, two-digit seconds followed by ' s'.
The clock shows 1 h 52 min
